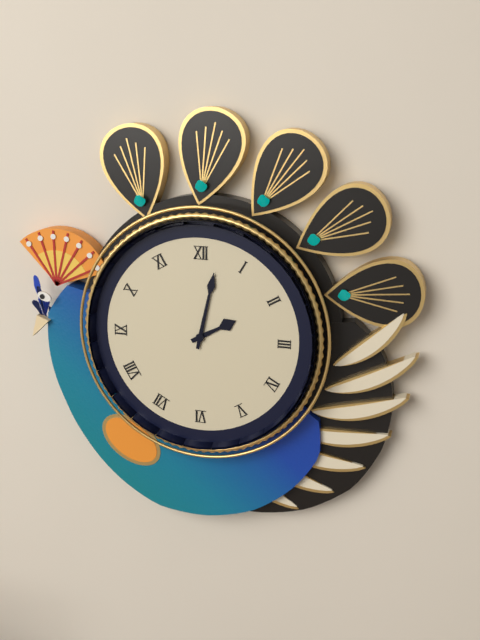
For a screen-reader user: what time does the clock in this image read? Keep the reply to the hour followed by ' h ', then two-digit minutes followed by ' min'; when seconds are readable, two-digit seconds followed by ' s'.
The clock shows 2 h 02 min
